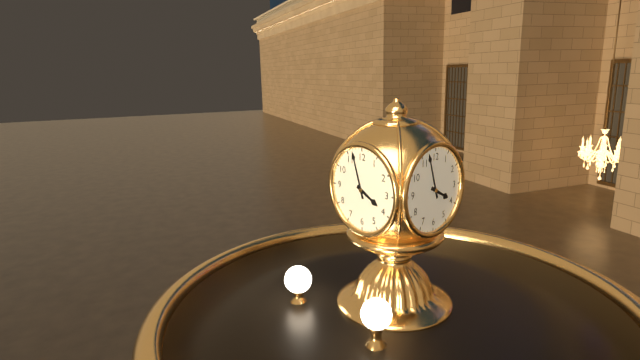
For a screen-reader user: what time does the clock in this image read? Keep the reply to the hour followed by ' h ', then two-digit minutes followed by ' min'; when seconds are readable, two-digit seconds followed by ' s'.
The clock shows 3 h 57 min
